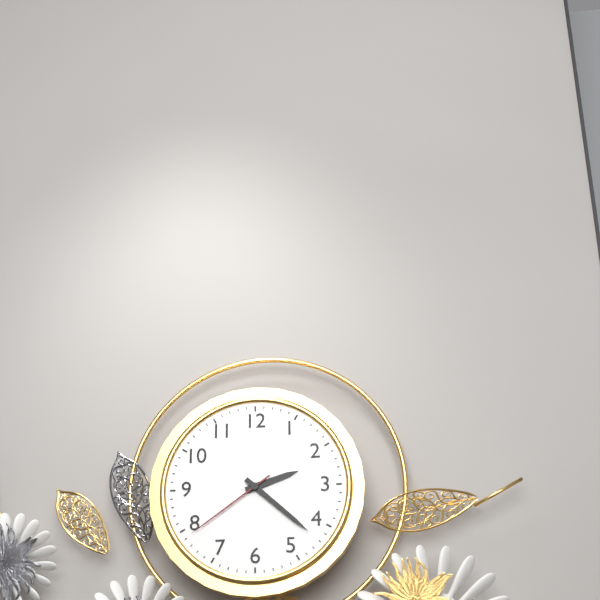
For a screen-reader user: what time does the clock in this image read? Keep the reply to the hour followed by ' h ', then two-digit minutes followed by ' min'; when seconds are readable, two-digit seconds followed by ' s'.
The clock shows 2 h 22 min 39 s
